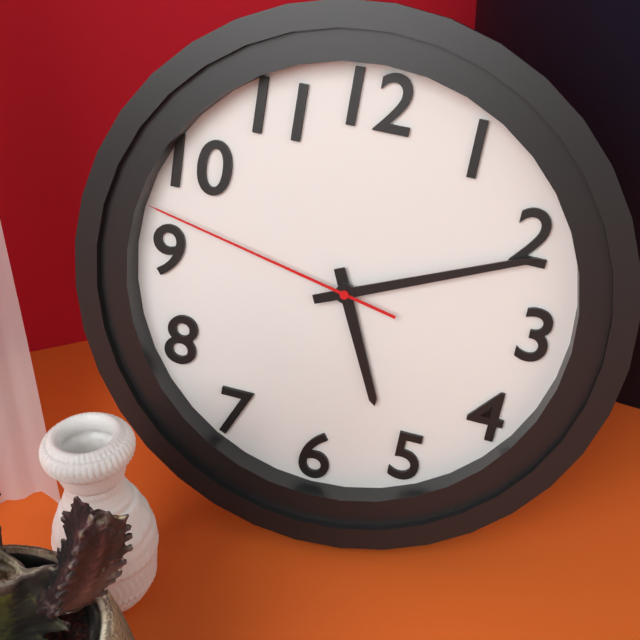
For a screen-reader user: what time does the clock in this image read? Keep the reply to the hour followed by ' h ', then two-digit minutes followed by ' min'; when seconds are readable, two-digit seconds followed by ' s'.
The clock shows 5 h 11 min 47 s
